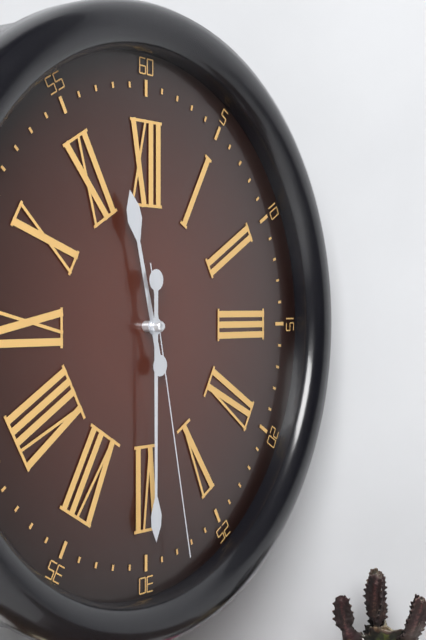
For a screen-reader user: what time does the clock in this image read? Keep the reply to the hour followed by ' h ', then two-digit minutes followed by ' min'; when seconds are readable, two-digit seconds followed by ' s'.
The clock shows 11 h 30 min 28 s
